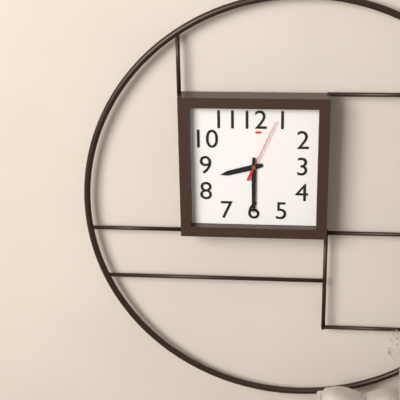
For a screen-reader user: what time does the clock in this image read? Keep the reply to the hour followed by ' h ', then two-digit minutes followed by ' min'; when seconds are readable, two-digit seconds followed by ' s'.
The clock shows 8 h 30 min 04 s
